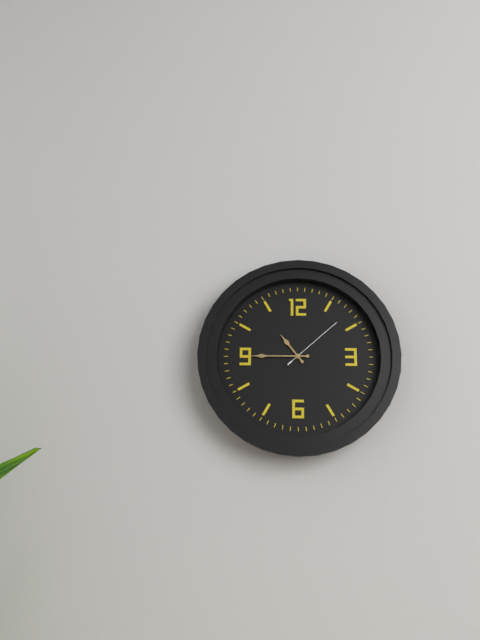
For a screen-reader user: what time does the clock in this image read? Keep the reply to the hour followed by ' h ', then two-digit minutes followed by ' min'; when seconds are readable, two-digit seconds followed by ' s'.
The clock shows 10 h 45 min 08 s
